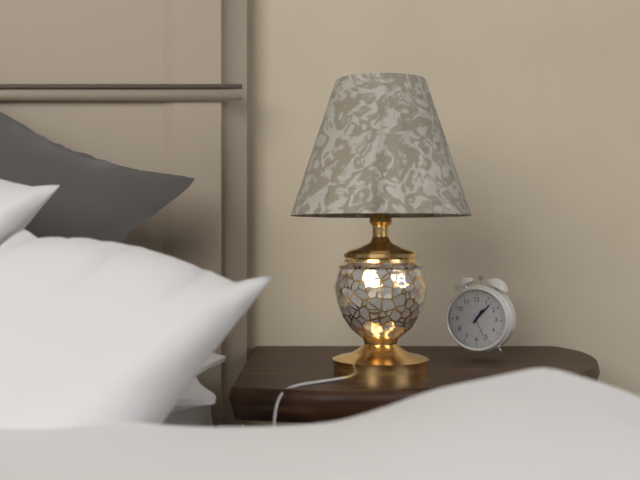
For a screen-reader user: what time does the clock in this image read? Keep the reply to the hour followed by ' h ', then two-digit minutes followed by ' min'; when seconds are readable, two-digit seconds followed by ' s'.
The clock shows 1 h 07 min
